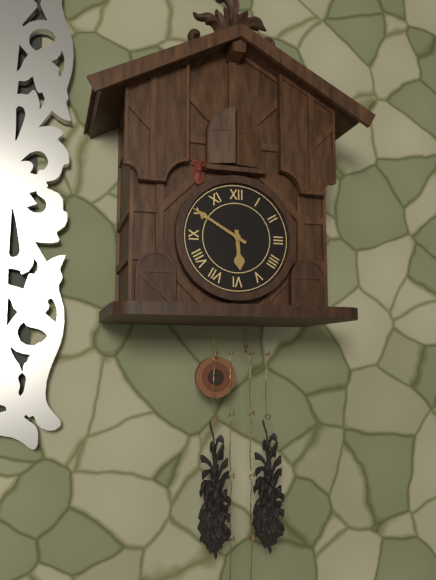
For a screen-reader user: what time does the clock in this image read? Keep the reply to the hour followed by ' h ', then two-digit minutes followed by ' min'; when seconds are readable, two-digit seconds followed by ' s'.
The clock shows 5 h 50 min
